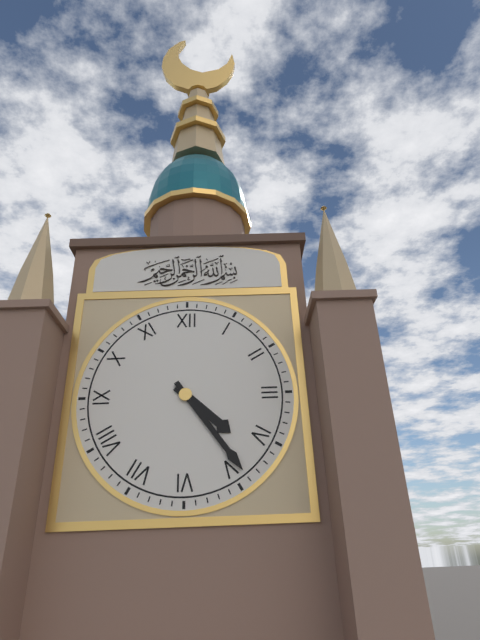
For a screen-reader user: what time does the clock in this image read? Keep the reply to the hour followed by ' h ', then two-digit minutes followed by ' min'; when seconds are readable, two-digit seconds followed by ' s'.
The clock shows 4 h 24 min
